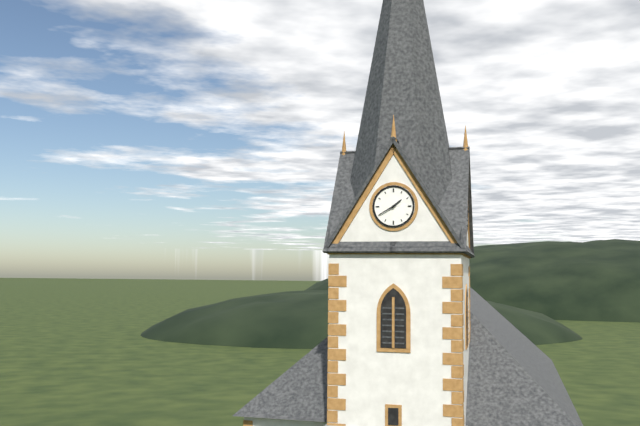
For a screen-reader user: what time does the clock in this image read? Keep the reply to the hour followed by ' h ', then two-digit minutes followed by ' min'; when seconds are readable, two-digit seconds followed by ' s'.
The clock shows 1 h 40 min
